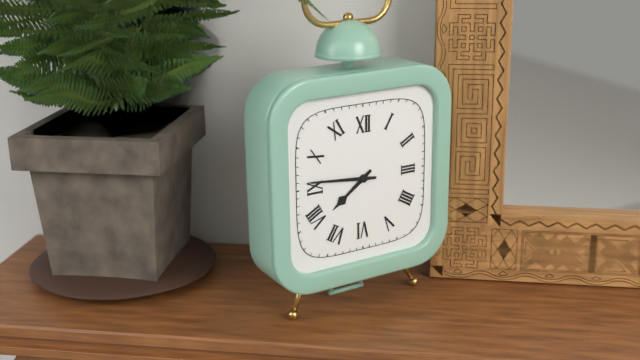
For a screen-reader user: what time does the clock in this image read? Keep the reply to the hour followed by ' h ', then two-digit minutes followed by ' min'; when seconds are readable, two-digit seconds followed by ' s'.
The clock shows 7 h 46 min
